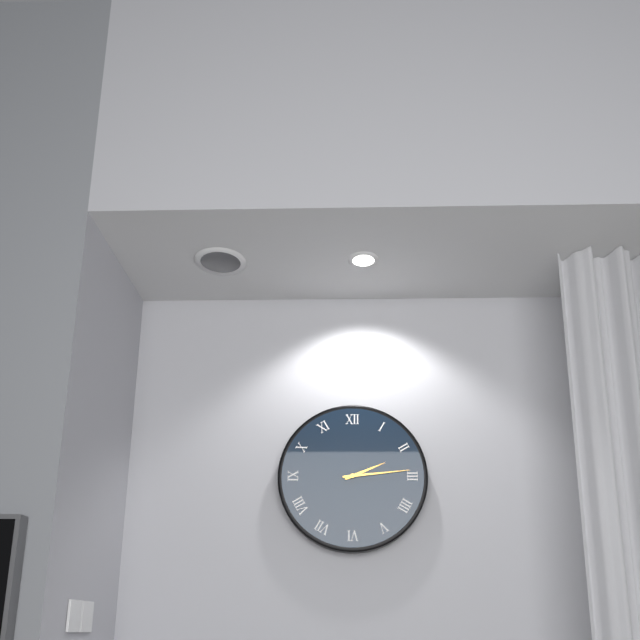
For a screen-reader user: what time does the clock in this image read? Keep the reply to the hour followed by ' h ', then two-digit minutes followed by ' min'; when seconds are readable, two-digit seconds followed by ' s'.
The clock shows 2 h 14 min
